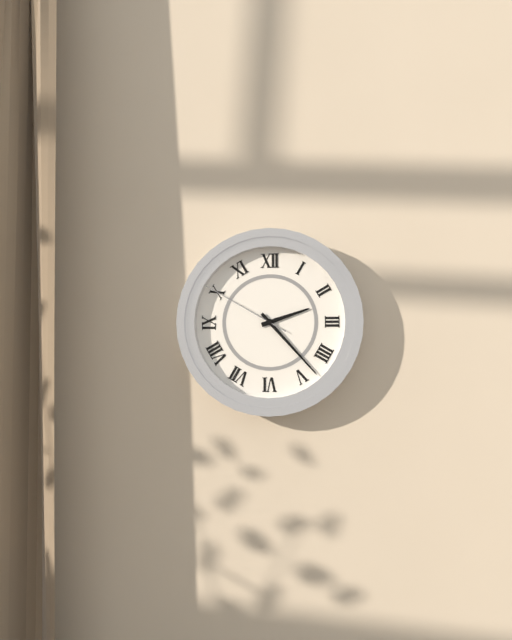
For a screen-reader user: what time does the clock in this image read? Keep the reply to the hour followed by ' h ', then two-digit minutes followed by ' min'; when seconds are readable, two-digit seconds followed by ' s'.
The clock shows 2 h 23 min 50 s
